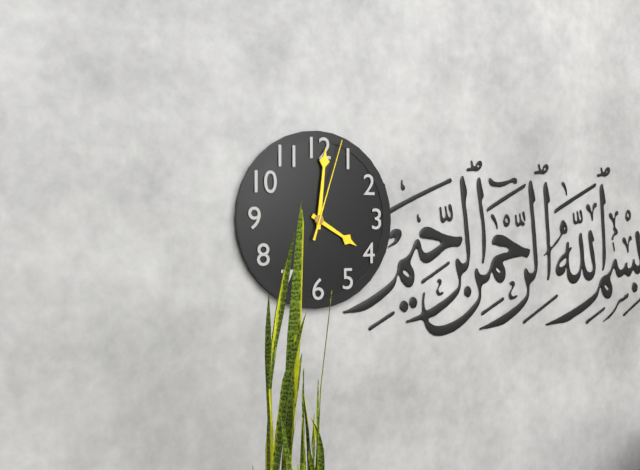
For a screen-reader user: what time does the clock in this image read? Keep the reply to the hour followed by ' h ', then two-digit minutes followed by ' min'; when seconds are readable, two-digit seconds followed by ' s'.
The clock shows 4 h 01 min 03 s
